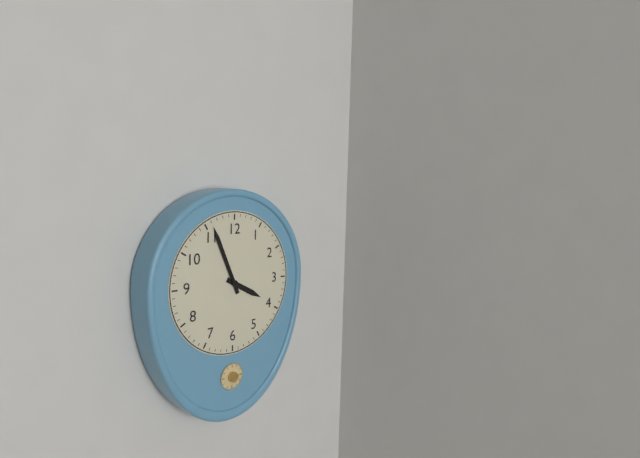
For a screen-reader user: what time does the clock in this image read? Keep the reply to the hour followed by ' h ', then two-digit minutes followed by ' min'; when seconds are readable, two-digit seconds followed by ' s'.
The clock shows 3 h 56 min
